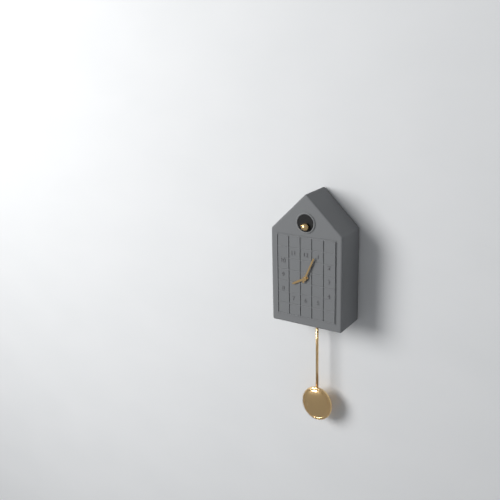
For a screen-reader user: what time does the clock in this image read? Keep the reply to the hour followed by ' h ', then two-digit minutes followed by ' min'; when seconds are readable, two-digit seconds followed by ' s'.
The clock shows 8 h 04 min
